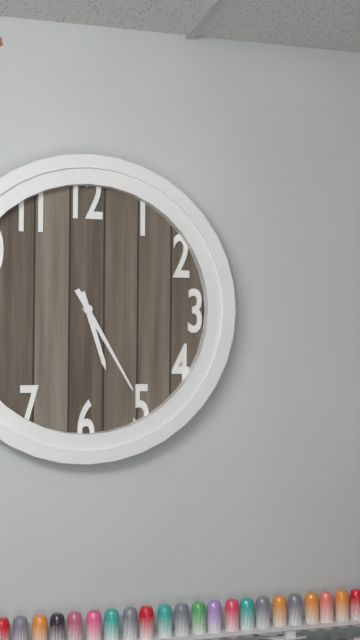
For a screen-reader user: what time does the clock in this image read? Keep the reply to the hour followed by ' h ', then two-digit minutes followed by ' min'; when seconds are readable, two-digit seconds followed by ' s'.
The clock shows 5 h 25 min
